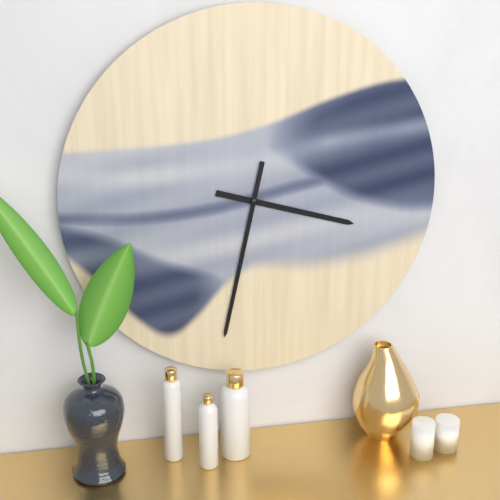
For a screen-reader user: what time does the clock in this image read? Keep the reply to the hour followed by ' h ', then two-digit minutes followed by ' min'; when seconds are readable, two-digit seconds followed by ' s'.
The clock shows 3 h 32 min
